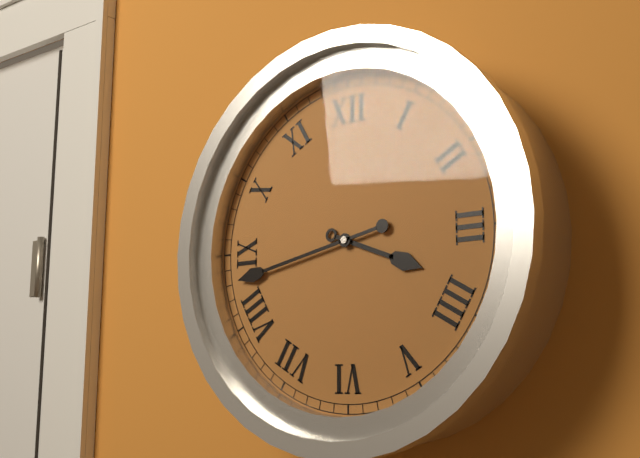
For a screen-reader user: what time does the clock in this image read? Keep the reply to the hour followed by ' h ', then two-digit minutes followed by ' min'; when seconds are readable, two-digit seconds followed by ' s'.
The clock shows 3 h 43 min
